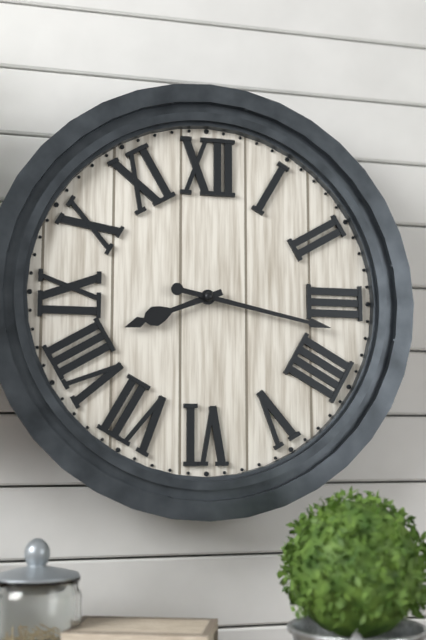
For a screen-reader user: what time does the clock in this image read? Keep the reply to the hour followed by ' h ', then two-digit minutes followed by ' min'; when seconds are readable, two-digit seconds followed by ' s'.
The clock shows 8 h 17 min
